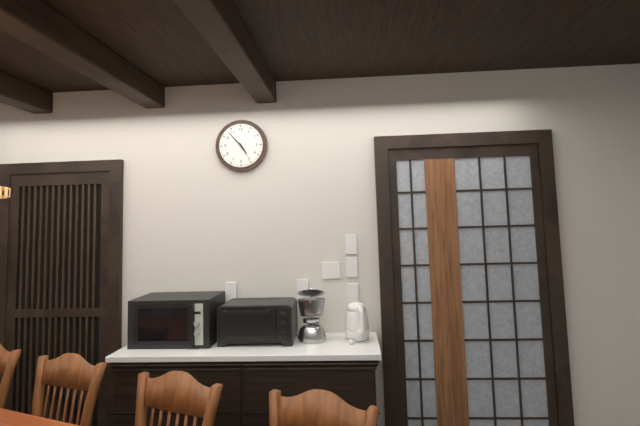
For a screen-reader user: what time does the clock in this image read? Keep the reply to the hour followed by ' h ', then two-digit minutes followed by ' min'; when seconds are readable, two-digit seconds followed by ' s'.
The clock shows 4 h 53 min
